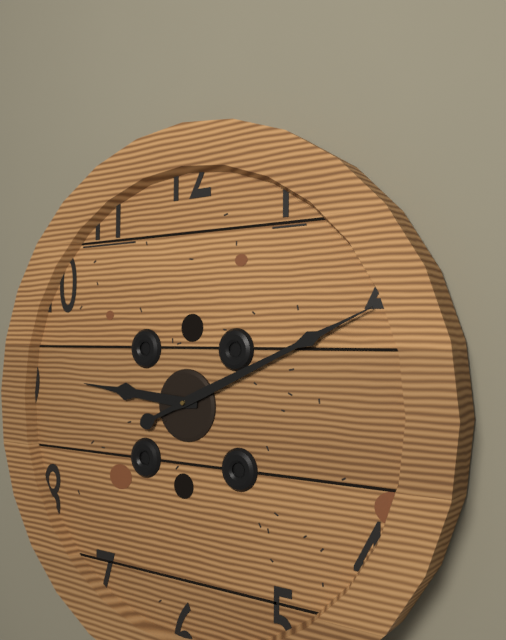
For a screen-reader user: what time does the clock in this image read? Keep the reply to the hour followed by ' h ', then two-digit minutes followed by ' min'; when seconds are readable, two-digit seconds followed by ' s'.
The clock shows 9 h 11 min
